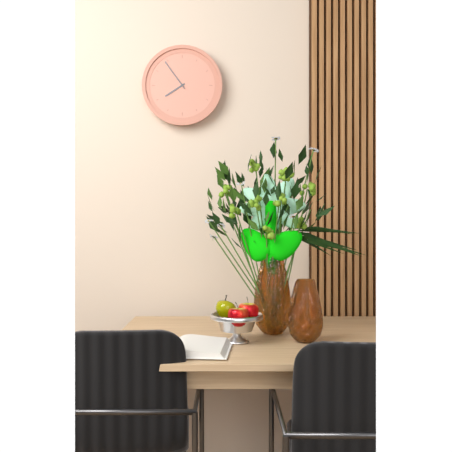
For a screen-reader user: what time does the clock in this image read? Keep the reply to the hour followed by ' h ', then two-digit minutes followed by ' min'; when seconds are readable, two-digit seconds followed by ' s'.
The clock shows 7 h 54 min
